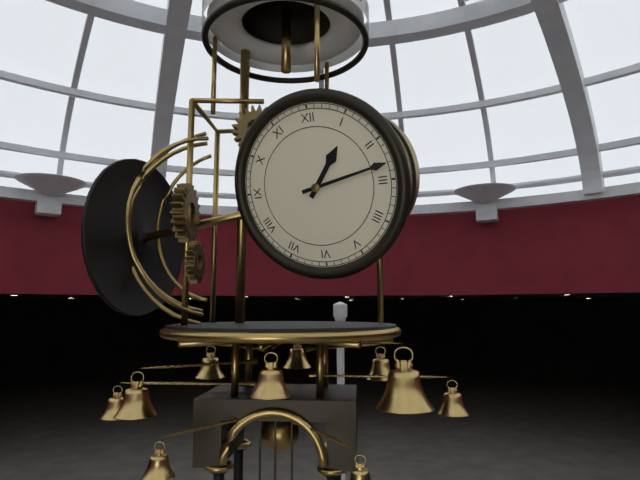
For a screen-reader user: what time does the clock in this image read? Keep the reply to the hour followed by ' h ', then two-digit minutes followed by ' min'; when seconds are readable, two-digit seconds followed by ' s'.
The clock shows 1 h 13 min
